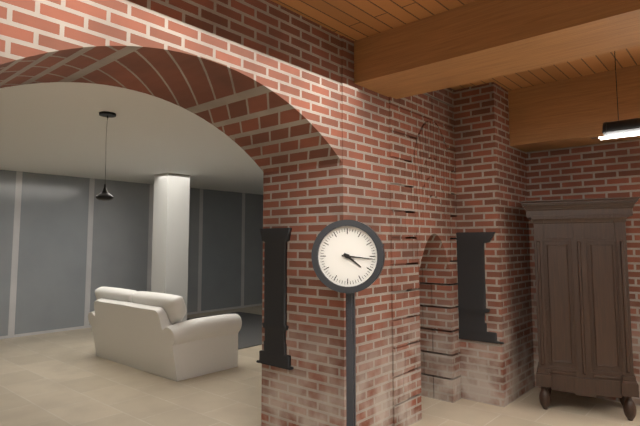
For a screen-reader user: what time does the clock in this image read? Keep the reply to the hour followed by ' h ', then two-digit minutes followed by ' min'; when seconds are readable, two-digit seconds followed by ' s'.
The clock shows 4 h 16 min
